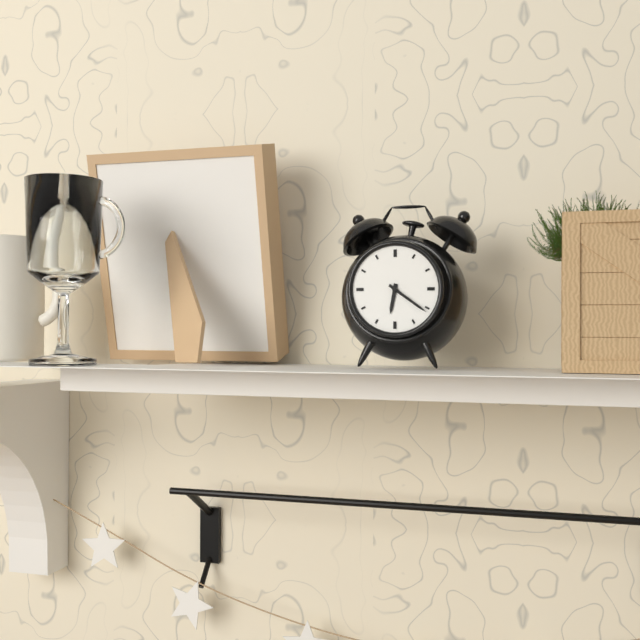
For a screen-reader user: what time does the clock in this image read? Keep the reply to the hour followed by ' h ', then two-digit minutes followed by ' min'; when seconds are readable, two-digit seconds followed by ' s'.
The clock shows 6 h 21 min
